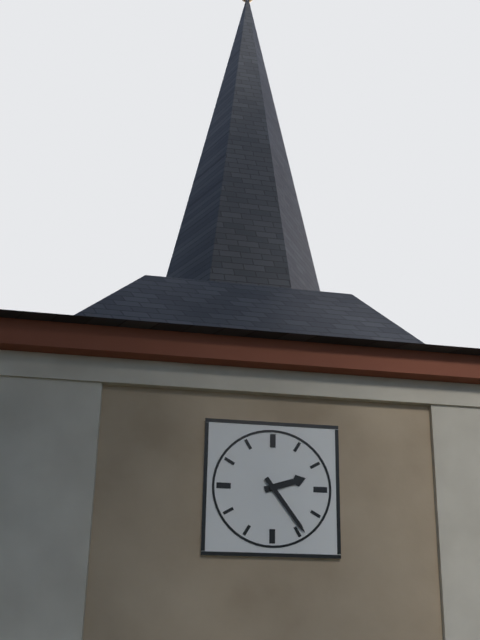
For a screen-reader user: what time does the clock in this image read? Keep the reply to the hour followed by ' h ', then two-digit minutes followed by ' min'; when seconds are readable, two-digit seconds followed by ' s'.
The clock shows 2 h 24 min
